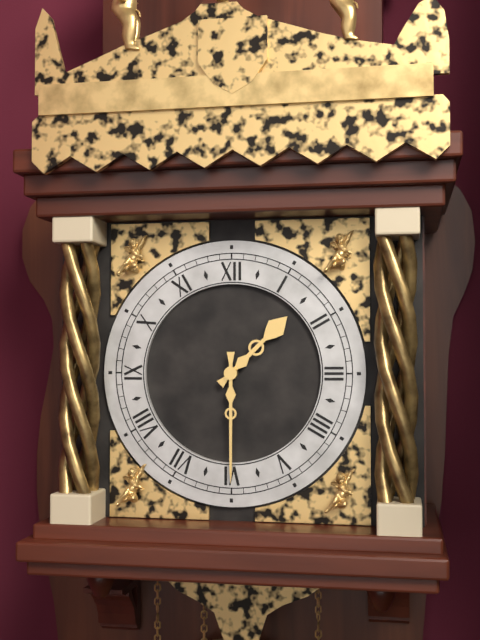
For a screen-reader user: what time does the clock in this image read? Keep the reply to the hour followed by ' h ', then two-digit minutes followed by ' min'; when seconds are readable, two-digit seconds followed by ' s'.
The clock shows 1 h 30 min
